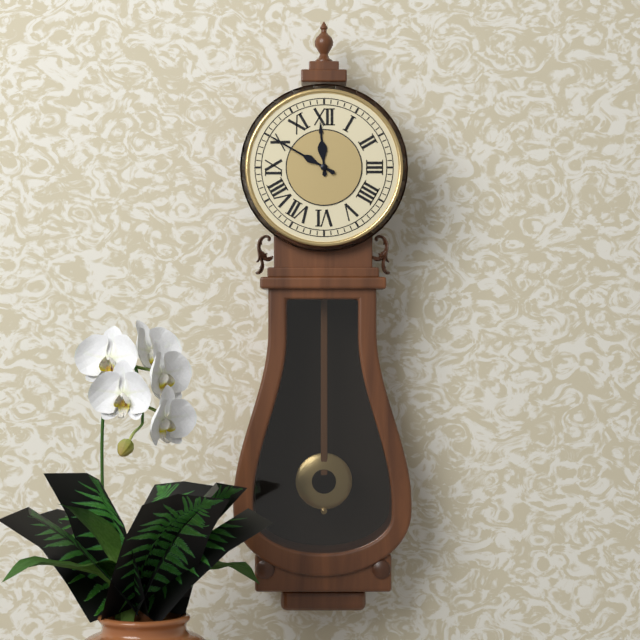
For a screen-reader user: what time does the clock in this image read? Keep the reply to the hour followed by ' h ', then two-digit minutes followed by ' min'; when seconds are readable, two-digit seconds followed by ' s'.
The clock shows 11 h 50 min
